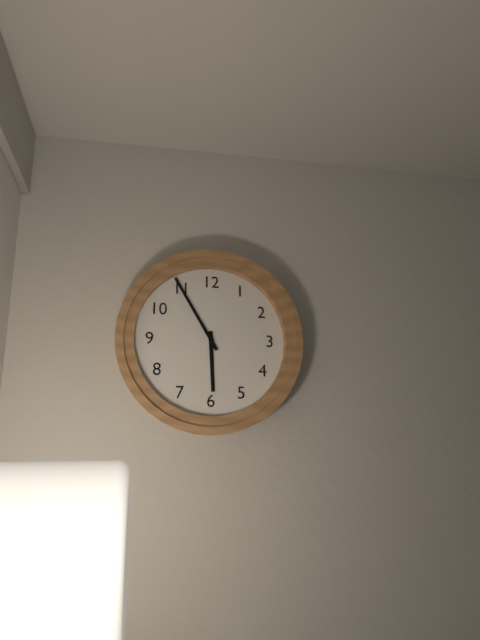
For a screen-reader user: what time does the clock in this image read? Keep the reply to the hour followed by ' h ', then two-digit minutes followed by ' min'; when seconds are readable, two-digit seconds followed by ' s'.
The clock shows 5 h 55 min
